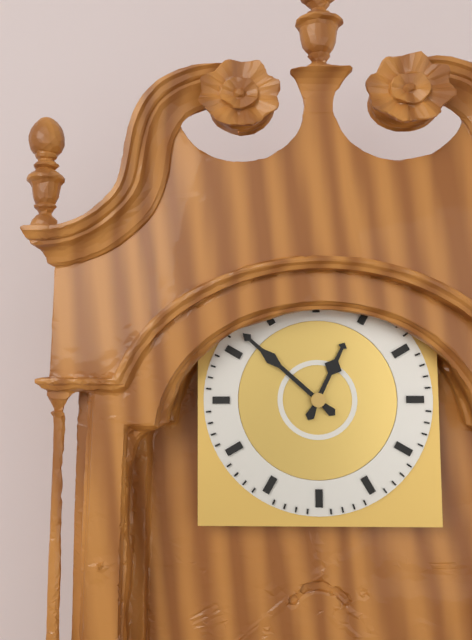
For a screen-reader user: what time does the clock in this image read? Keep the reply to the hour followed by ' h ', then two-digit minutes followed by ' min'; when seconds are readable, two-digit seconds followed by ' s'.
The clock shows 12 h 52 min
